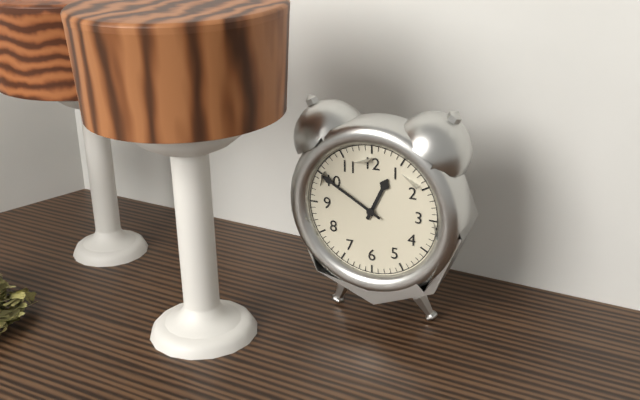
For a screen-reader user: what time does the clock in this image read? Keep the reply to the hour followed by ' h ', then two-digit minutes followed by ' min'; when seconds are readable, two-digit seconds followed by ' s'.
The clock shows 12 h 50 min
